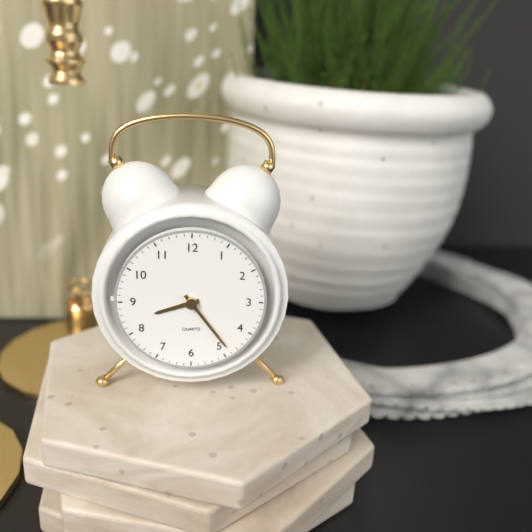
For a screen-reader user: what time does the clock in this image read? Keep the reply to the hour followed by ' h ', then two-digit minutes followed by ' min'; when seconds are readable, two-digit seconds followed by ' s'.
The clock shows 8 h 24 min
